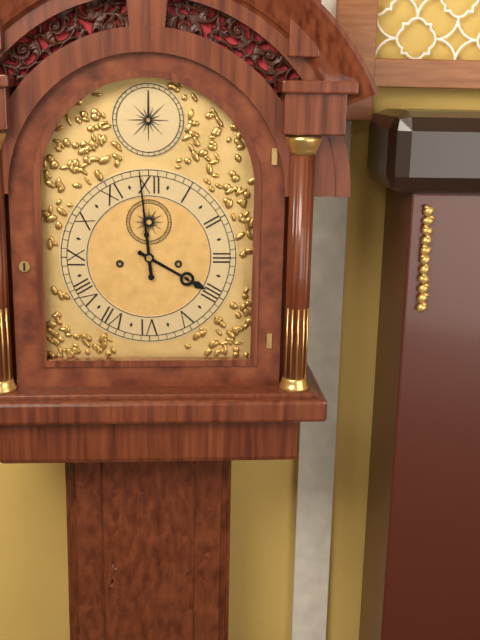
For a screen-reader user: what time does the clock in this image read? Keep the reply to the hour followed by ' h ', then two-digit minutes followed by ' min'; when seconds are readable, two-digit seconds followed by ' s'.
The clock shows 3 h 59 min
